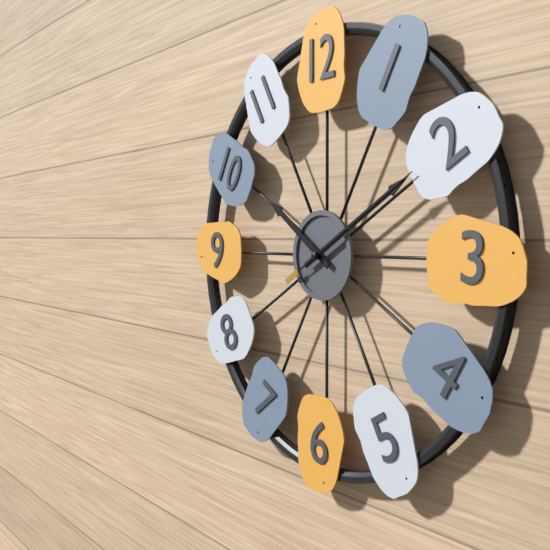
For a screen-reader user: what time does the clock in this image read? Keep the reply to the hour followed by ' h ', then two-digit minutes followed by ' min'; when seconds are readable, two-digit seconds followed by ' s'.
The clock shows 10 h 10 min 10 s
